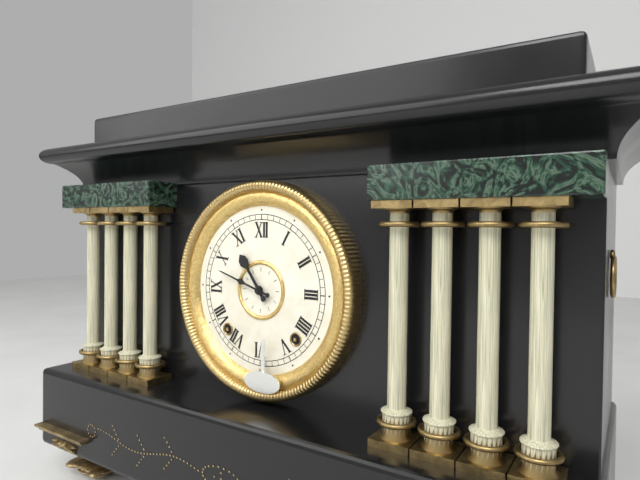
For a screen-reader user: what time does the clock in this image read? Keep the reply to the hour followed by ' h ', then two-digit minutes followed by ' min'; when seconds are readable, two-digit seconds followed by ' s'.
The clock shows 10 h 48 min
